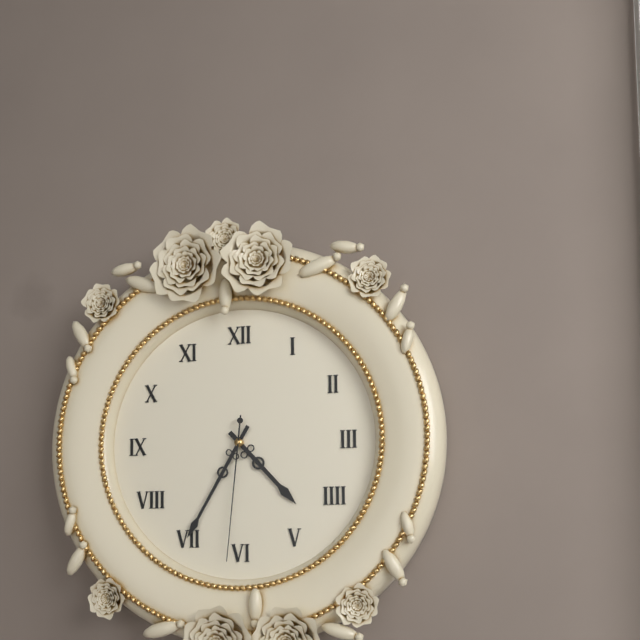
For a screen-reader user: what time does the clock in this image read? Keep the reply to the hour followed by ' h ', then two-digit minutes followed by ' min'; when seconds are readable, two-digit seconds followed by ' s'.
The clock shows 4 h 35 min 31 s
